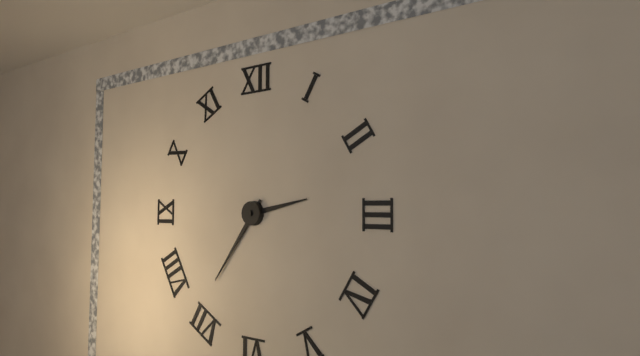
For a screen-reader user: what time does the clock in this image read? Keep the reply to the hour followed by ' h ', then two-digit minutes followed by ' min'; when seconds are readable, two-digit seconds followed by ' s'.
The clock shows 2 h 36 min
